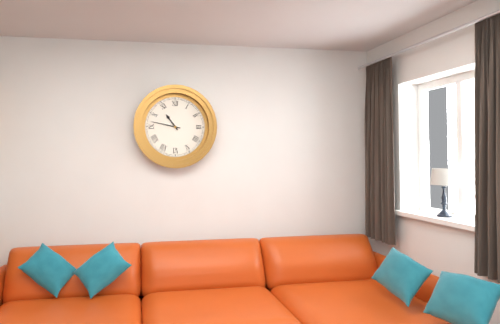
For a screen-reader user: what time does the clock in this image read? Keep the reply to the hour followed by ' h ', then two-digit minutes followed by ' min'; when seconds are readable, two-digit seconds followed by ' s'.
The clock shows 10 h 47 min
